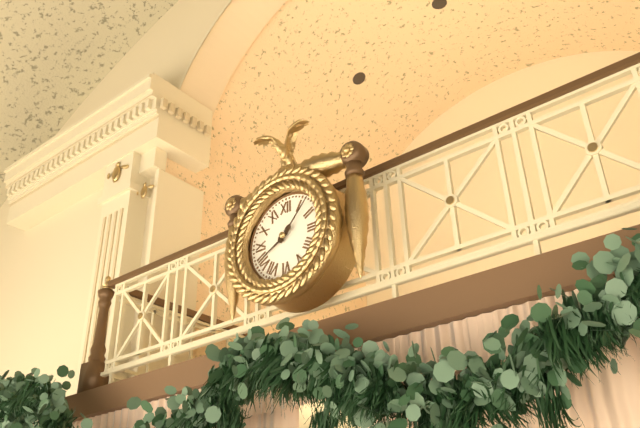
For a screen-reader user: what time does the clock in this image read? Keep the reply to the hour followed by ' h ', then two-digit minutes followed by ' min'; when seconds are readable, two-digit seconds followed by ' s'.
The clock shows 8 h 07 min
